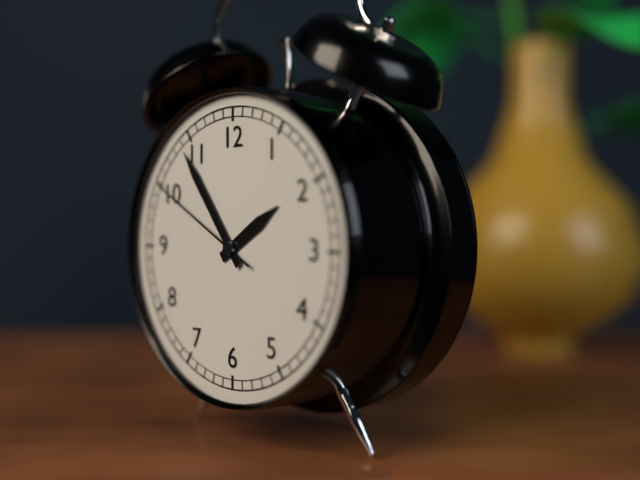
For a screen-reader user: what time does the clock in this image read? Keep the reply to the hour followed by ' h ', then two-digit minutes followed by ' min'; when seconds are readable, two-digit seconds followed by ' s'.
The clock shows 1 h 54 min 50 s
